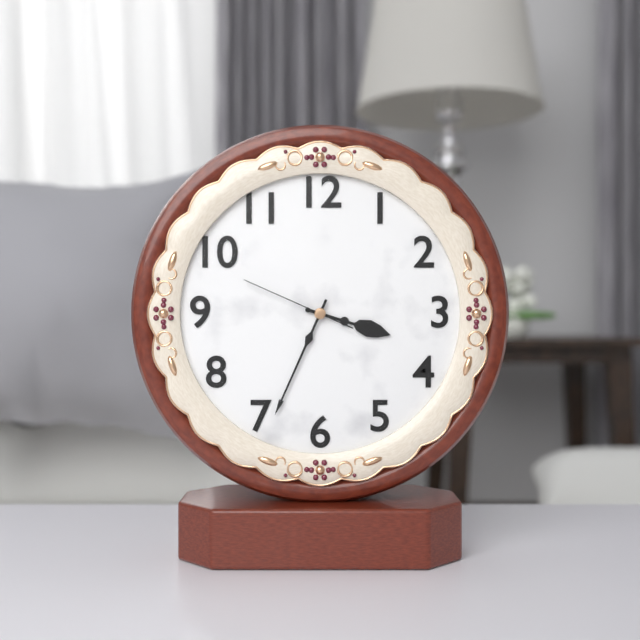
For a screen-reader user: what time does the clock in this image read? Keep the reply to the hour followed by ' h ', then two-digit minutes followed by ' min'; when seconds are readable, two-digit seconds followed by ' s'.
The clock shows 3 h 34 min 49 s
